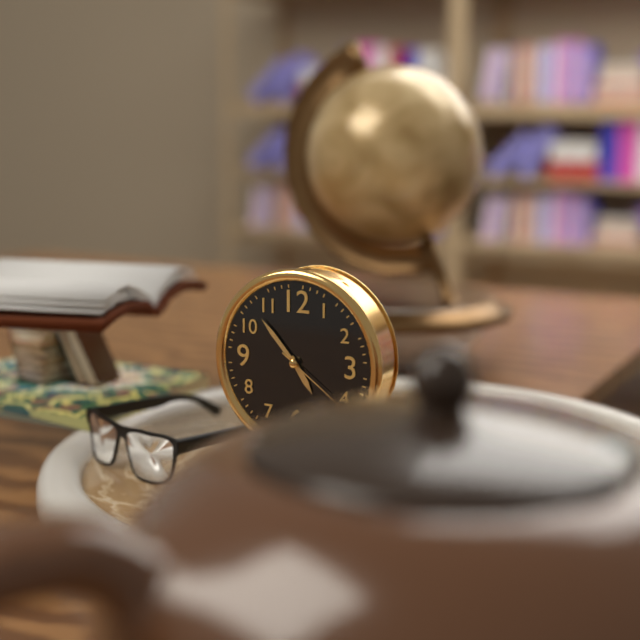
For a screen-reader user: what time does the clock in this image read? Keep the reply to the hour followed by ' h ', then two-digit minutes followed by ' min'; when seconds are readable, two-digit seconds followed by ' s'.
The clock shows 4 h 53 min 21 s
